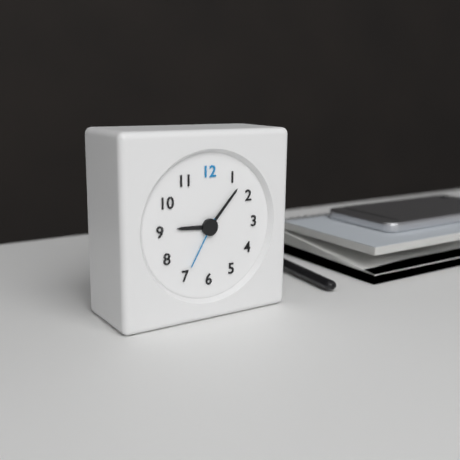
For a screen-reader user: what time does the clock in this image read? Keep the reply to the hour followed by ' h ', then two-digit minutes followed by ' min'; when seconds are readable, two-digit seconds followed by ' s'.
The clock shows 9 h 07 min 35 s
